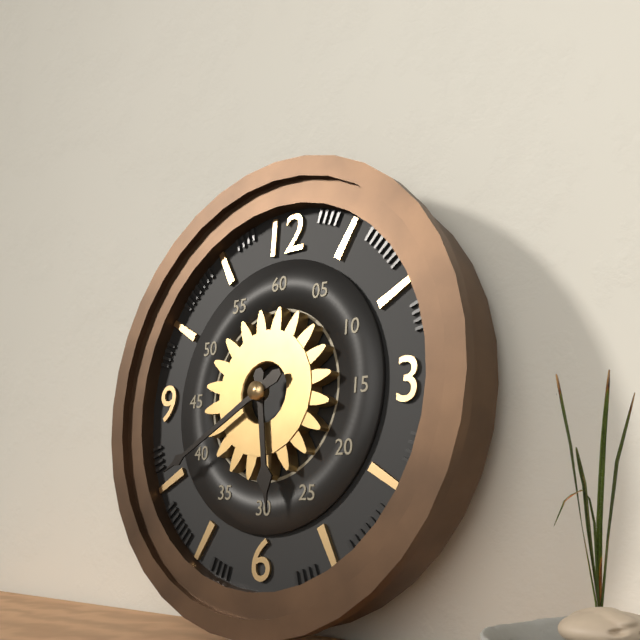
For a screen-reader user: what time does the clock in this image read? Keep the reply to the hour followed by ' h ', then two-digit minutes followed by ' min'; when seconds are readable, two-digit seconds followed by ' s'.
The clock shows 5 h 40 min
